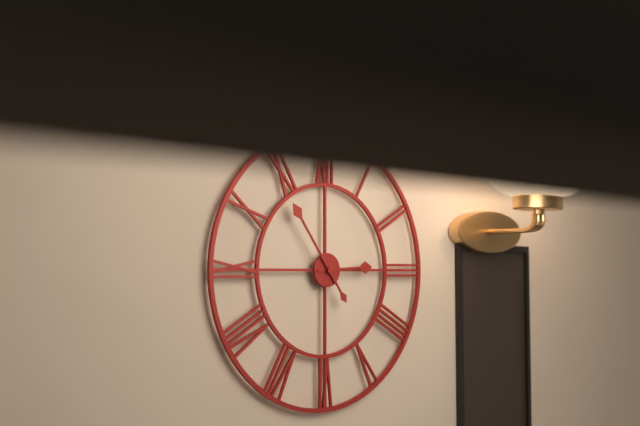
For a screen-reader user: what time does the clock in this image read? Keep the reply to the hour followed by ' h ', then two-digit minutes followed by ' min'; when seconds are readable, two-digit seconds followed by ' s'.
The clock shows 2 h 54 min
